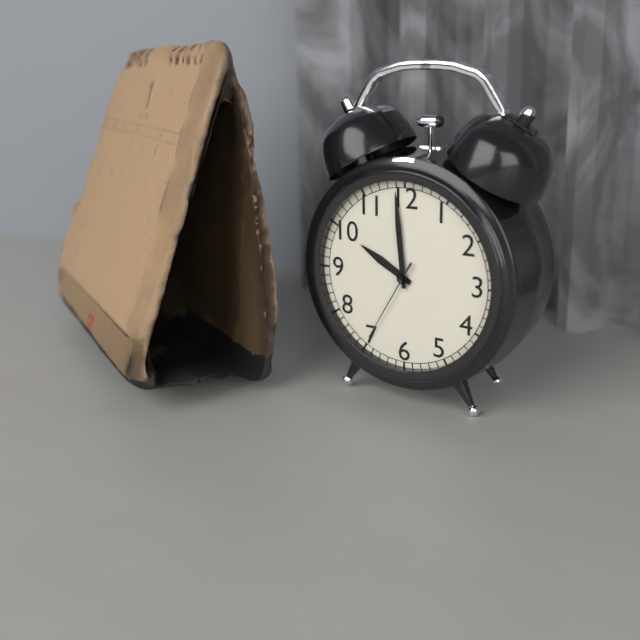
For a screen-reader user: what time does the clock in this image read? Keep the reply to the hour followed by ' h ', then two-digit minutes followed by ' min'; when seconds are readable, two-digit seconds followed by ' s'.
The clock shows 9 h 59 min 35 s
